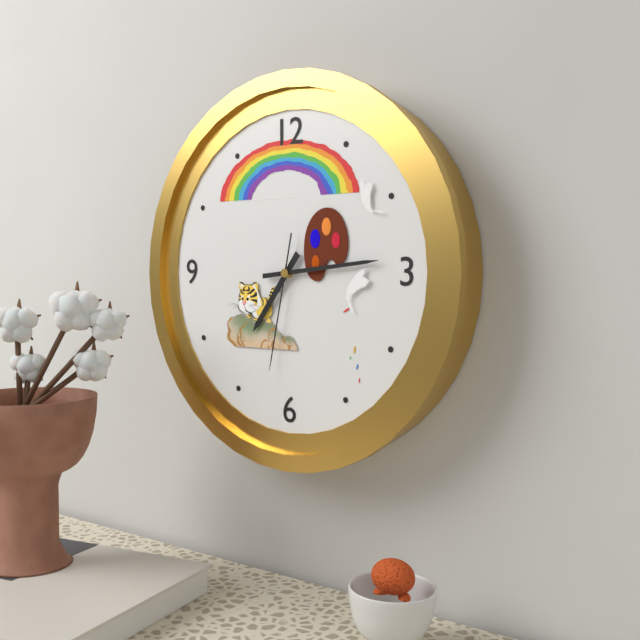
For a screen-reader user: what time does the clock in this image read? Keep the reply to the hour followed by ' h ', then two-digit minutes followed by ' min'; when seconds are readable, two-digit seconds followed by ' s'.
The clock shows 7 h 14 min 32 s
